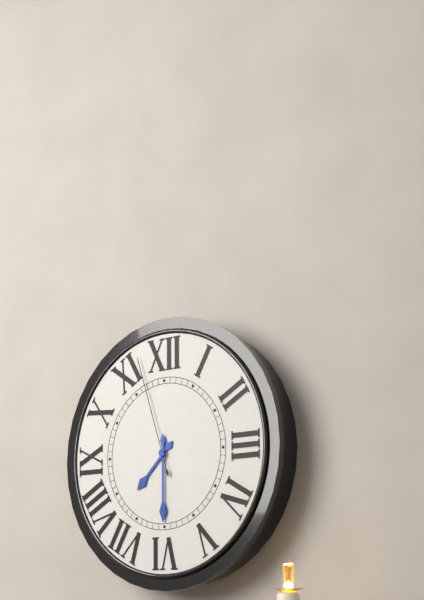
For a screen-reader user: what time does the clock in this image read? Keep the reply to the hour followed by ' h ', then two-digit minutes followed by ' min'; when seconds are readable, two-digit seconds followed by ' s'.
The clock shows 7 h 30 min 57 s
